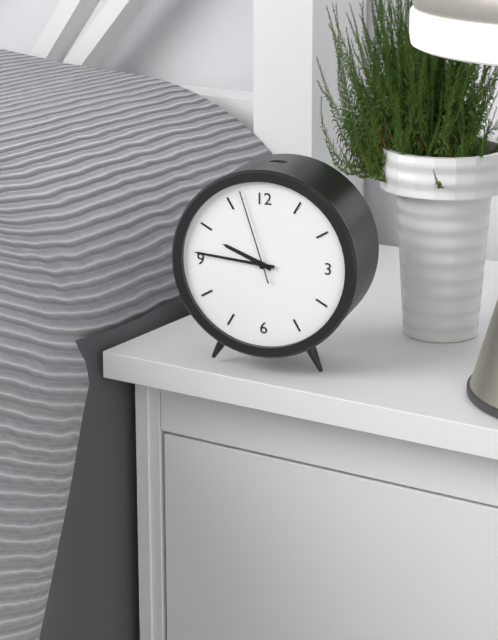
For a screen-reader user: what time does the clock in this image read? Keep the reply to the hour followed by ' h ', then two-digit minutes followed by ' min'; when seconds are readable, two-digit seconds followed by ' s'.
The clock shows 9 h 46 min 57 s
